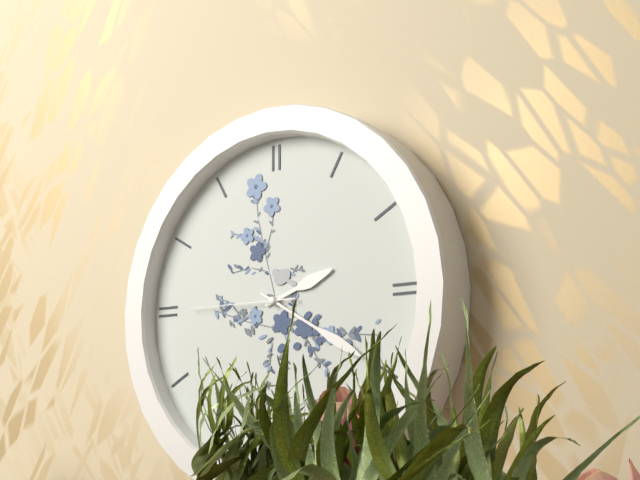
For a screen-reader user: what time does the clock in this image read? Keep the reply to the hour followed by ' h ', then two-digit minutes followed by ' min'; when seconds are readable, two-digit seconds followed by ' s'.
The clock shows 2 h 20 min 45 s
